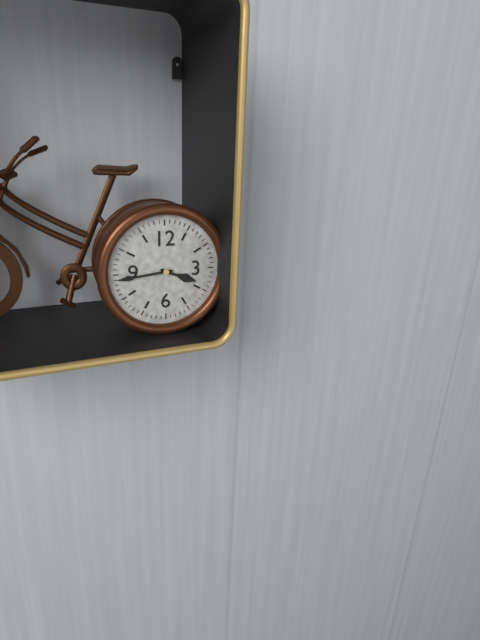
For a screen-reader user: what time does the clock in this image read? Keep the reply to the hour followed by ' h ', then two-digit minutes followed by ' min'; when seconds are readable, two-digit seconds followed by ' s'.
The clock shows 3 h 44 min
